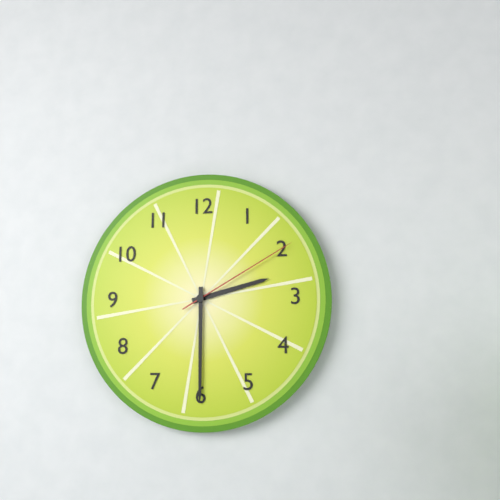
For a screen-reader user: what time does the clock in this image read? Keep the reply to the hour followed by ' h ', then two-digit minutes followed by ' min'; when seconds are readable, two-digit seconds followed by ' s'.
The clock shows 2 h 30 min 10 s
